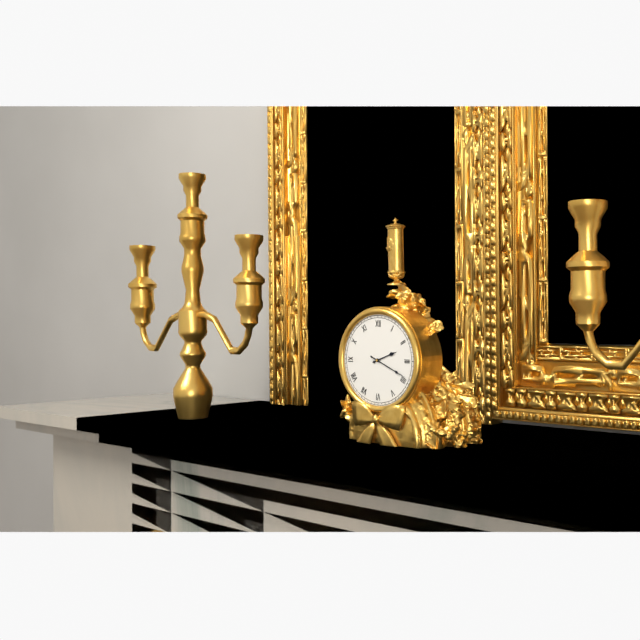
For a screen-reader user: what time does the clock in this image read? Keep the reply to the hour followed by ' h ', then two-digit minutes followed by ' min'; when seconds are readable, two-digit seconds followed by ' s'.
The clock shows 2 h 19 min
